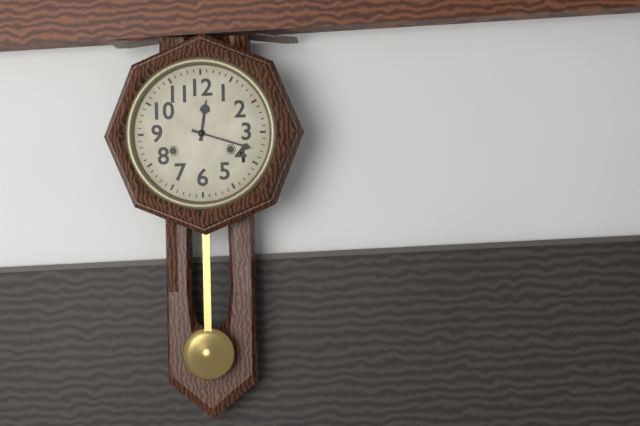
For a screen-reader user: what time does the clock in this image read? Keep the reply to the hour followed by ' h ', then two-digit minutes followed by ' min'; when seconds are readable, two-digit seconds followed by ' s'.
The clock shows 12 h 18 min
